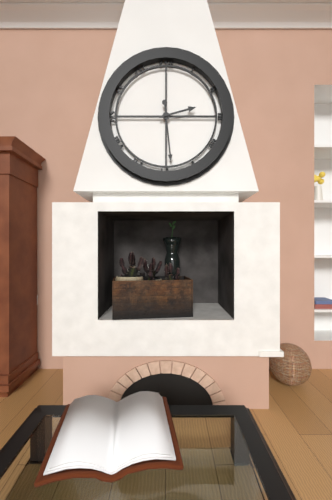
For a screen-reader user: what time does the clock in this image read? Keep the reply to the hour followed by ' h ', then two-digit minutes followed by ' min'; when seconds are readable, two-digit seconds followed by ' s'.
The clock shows 2 h 29 min
